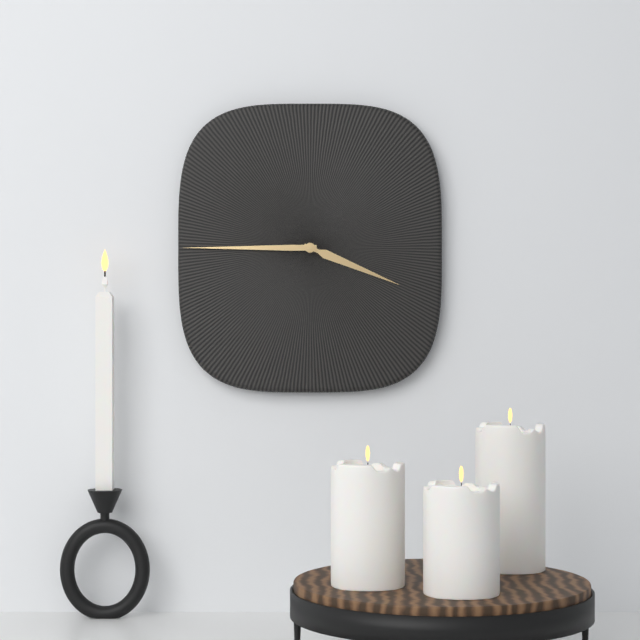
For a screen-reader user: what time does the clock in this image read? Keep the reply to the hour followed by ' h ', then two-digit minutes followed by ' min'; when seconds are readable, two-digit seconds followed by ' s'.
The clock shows 3 h 45 min
